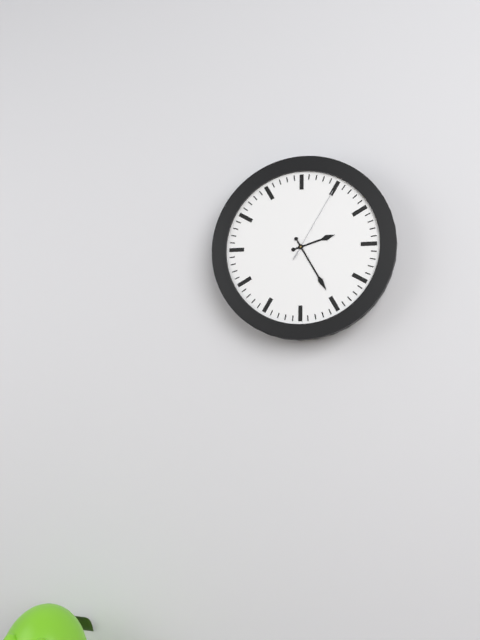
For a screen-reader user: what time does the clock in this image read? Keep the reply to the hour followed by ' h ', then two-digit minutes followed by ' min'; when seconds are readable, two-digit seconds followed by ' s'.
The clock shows 2 h 25 min 05 s
